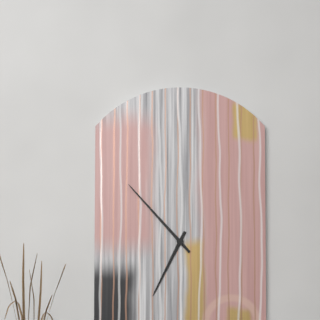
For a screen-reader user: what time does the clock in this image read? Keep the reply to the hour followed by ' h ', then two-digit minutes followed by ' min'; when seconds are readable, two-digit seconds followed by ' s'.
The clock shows 6 h 53 min
